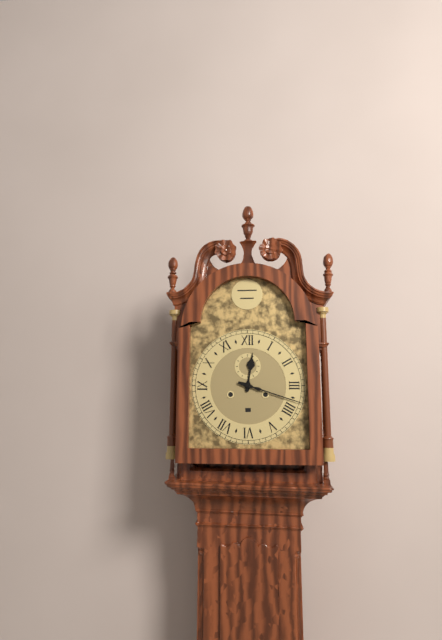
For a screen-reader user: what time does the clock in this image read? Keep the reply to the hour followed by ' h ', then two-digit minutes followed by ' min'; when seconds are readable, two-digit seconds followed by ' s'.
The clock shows 12 h 18 min
